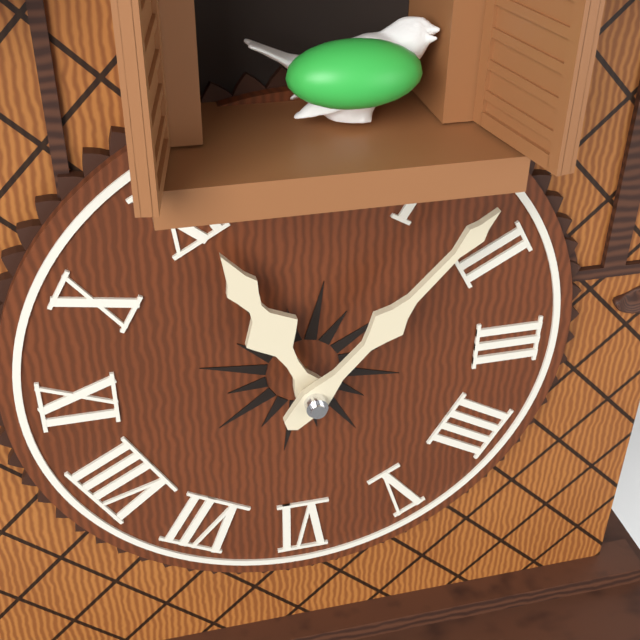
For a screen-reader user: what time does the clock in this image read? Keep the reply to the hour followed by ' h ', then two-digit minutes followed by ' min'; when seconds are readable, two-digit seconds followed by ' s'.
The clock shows 11 h 07 min
